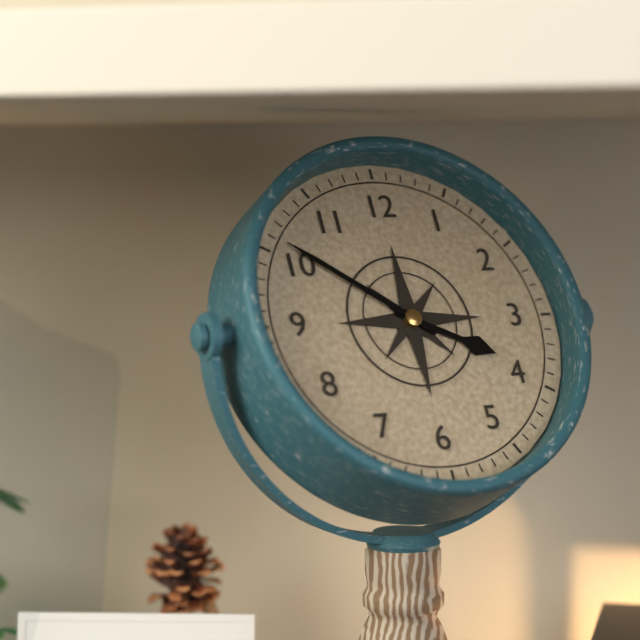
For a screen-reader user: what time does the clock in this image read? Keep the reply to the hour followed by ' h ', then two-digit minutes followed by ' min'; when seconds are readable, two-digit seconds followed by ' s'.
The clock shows 3 h 51 min
